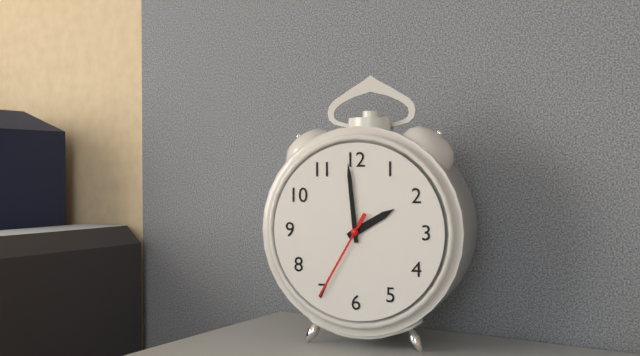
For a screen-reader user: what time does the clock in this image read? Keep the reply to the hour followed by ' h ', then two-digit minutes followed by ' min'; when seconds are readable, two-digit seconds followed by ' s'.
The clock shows 1 h 59 min 35 s
